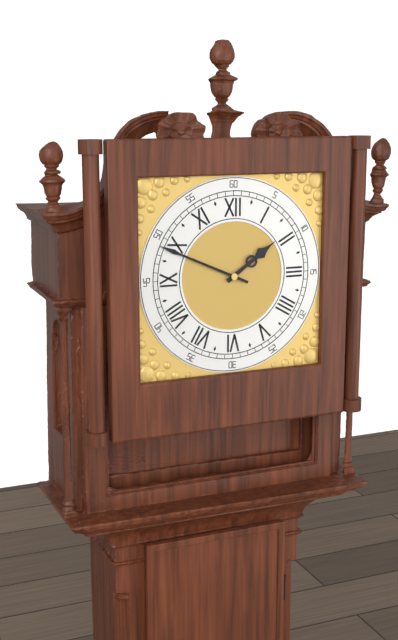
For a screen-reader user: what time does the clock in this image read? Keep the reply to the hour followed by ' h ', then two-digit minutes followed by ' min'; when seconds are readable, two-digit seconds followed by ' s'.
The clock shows 1 h 49 min
